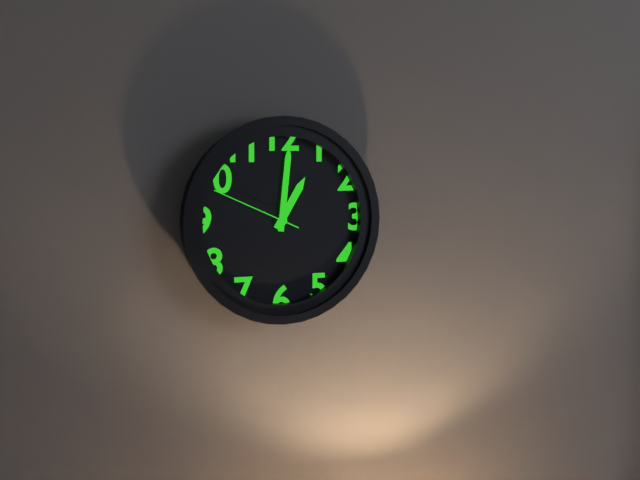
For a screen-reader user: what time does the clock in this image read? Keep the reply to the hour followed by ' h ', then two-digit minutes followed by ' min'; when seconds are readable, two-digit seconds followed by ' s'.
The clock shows 1 h 01 min 49 s
